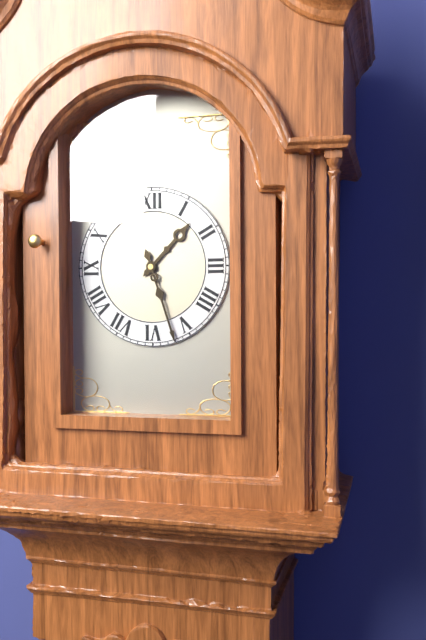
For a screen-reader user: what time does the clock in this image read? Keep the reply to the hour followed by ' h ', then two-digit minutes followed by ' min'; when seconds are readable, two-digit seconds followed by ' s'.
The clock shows 1 h 27 min
